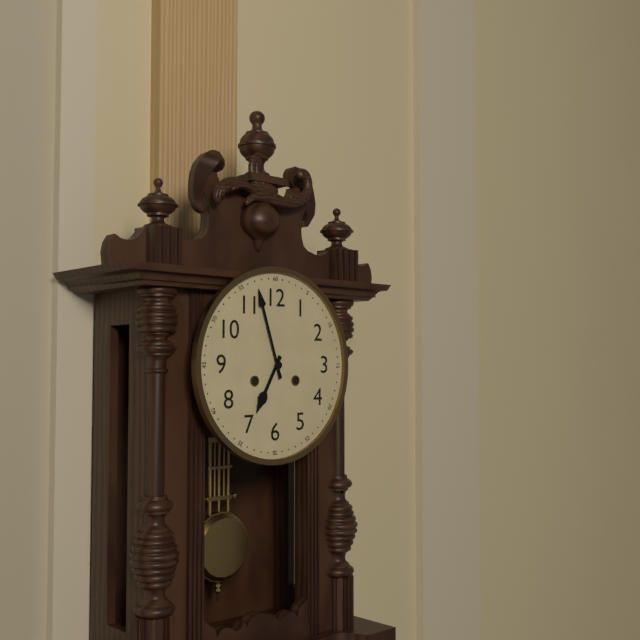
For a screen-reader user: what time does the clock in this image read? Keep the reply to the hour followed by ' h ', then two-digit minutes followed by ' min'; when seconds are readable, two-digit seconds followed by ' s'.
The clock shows 6 h 57 min
